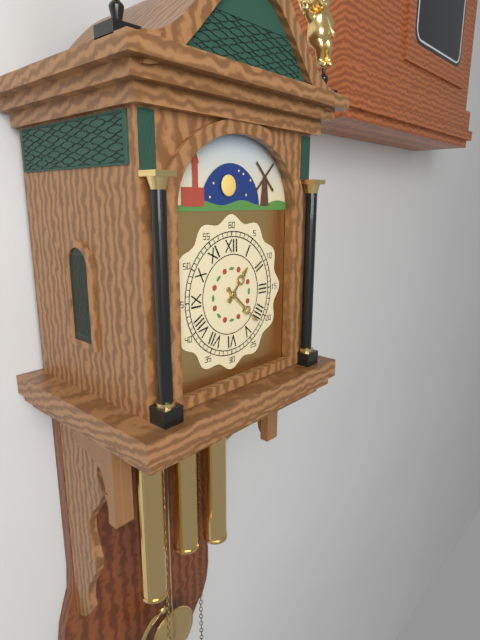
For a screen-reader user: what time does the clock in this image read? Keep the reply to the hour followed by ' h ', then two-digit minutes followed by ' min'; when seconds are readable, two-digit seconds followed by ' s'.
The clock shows 1 h 22 min
